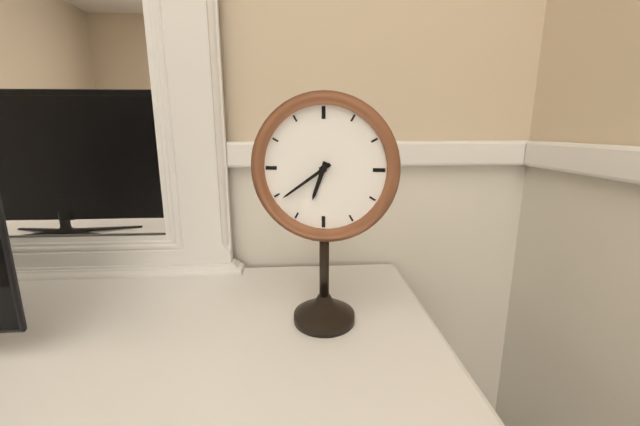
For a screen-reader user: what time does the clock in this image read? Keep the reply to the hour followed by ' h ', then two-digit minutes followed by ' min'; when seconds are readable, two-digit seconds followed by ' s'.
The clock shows 6 h 39 min
